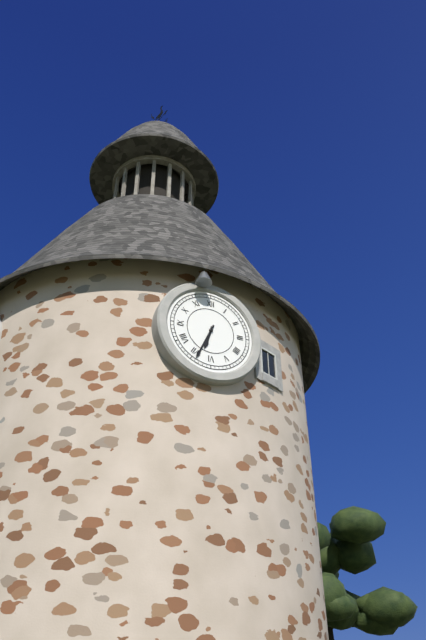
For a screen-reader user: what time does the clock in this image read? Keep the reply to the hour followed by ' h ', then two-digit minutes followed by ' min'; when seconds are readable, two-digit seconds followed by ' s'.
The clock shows 6 h 34 min
